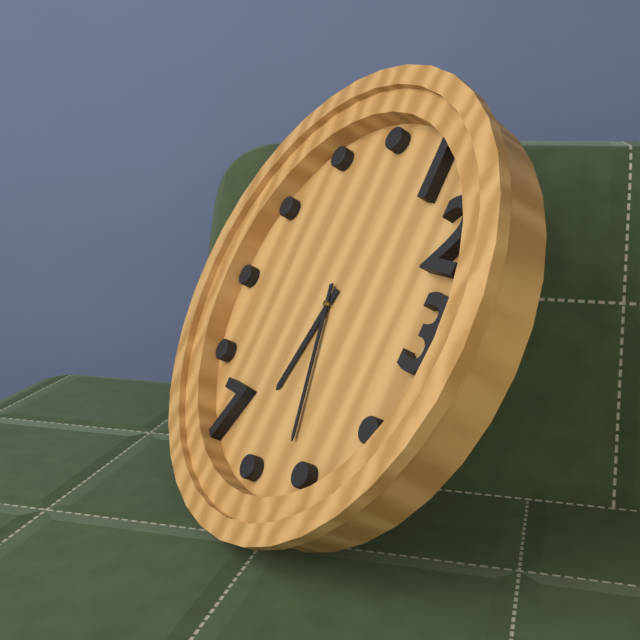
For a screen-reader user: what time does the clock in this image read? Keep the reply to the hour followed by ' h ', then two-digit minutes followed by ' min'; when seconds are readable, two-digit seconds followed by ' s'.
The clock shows 6 h 27 min
